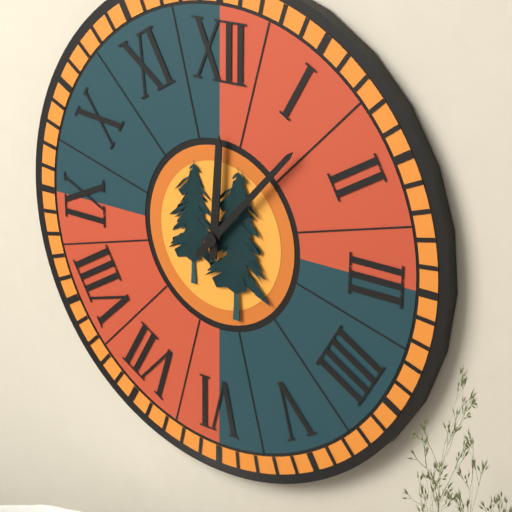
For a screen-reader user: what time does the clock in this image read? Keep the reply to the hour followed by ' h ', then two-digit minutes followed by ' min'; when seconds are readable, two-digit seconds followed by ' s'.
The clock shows 12 h 07 min
